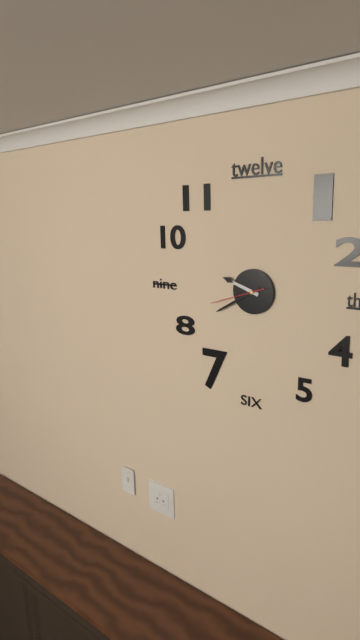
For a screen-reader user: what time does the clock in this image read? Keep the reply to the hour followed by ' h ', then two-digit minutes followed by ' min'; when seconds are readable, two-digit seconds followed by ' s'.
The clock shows 9 h 40 min 42 s
